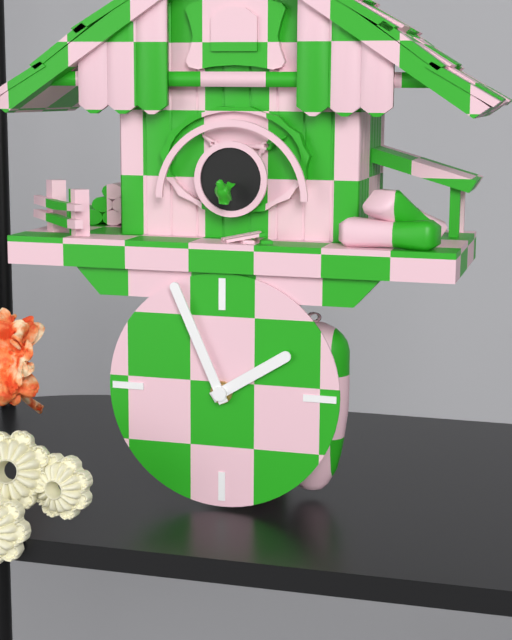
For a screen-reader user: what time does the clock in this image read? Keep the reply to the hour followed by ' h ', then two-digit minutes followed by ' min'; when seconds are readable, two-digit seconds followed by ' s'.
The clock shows 1 h 56 min
